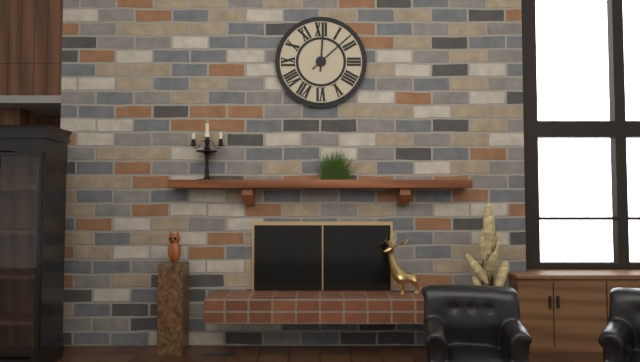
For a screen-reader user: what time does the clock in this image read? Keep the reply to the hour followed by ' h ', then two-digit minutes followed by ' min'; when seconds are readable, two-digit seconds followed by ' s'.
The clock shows 12 h 08 min
